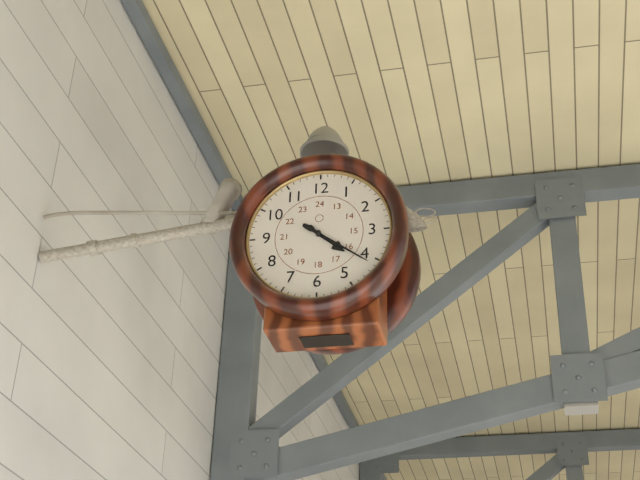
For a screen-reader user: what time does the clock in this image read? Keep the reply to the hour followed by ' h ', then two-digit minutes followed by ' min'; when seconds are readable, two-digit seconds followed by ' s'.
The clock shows 4 h 21 min
